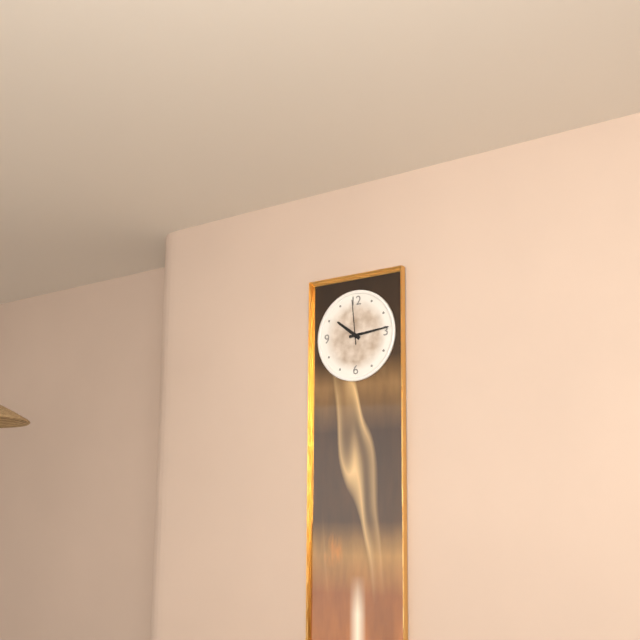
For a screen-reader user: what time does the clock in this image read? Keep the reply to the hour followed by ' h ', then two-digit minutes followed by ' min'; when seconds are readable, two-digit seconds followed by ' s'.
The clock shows 10 h 14 min
